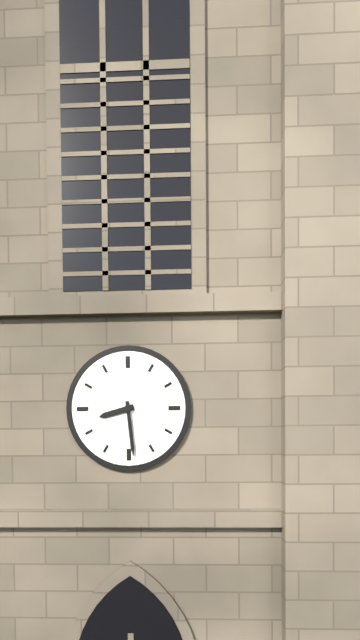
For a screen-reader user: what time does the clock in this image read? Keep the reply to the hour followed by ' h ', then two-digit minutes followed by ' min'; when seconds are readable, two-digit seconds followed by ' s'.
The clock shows 8 h 29 min
